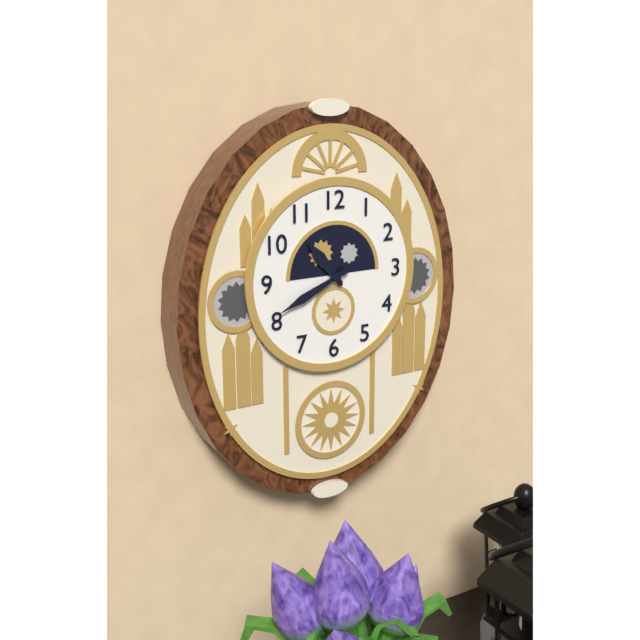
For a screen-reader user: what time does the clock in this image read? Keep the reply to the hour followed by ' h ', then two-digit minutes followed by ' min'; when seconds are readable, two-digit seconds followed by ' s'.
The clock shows 10 h 41 min
